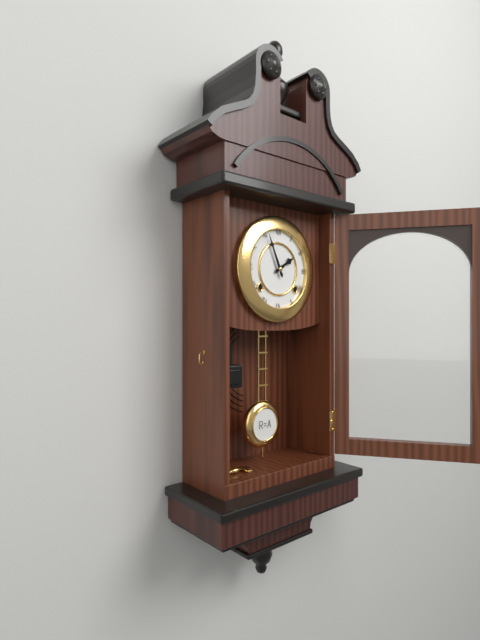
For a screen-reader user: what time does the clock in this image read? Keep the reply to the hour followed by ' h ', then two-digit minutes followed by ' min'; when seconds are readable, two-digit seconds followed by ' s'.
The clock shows 1 h 56 min
